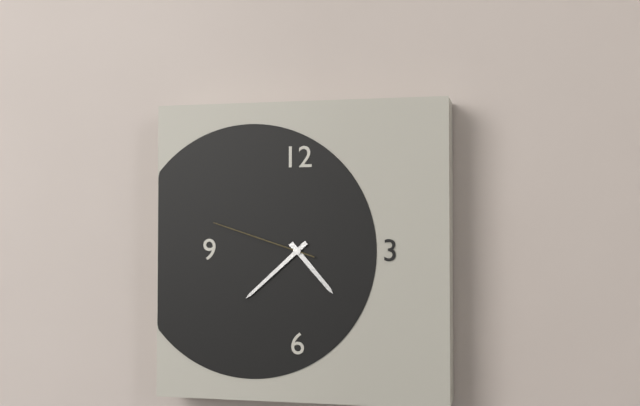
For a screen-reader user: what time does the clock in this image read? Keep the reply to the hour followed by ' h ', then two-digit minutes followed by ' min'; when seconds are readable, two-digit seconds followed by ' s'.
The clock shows 4 h 38 min 48 s
